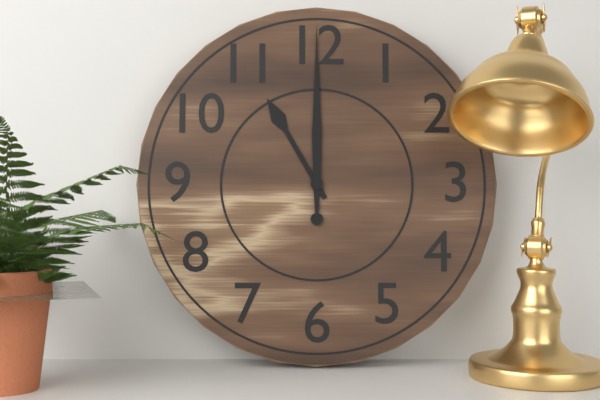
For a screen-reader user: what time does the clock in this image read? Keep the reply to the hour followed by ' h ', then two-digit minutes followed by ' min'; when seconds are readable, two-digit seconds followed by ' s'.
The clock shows 11 h 00 min
